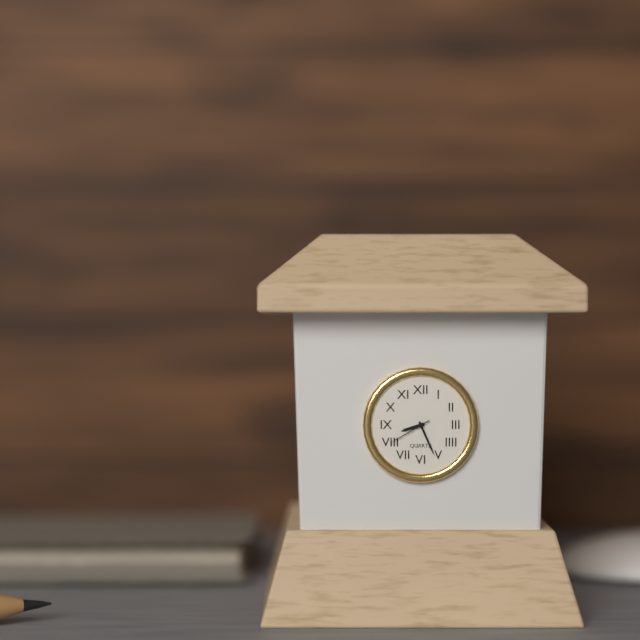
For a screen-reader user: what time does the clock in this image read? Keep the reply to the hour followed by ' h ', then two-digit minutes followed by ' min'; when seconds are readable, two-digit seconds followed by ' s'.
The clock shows 8 h 26 min
